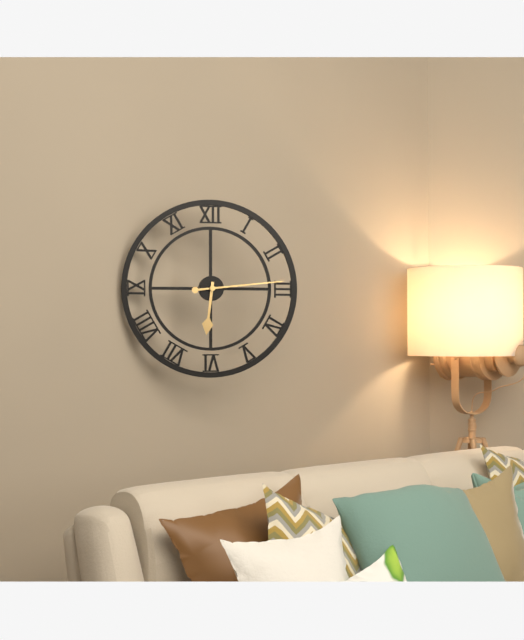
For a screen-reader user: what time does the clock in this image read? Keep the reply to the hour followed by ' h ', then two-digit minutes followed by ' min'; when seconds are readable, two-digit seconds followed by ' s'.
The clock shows 6 h 14 min
